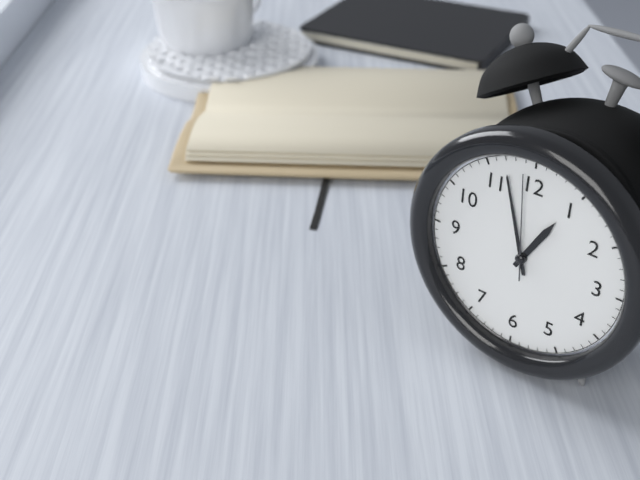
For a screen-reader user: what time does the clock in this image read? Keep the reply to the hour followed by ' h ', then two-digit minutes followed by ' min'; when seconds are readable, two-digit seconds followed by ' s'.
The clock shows 12 h 57 min 59 s
